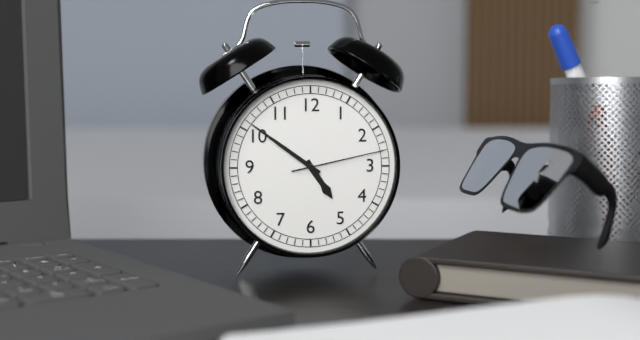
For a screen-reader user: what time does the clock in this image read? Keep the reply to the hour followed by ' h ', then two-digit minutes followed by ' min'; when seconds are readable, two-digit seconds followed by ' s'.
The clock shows 4 h 51 min 13 s
